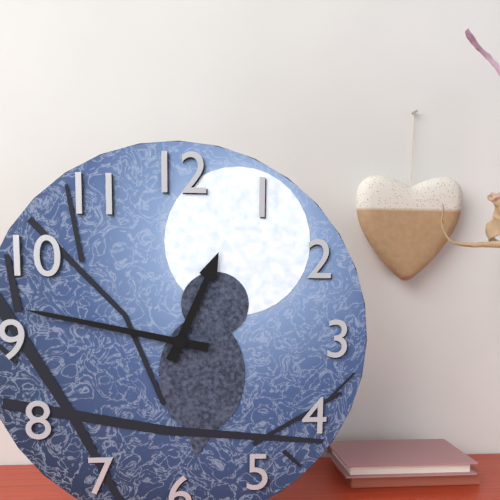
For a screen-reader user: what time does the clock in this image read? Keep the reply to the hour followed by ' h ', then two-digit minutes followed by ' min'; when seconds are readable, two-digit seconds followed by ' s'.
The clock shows 12 h 47 min
